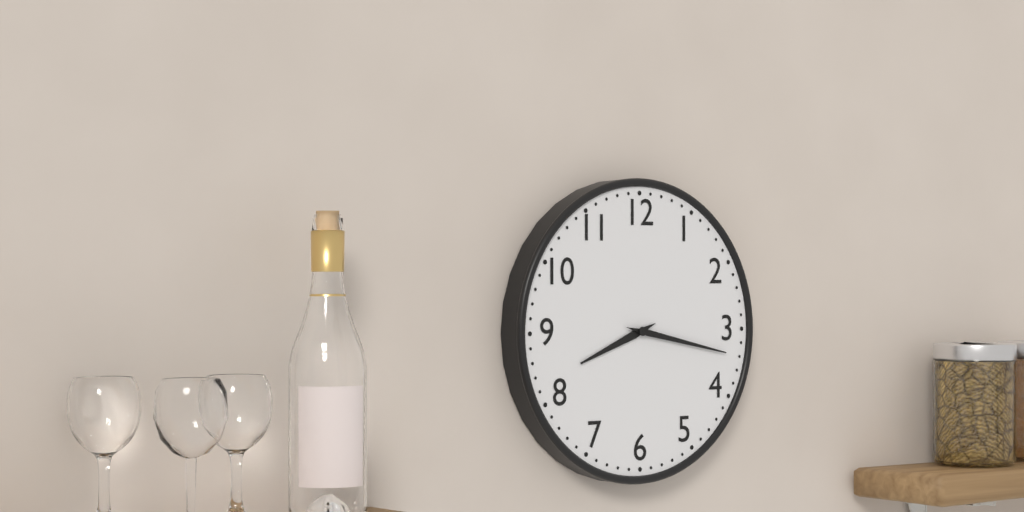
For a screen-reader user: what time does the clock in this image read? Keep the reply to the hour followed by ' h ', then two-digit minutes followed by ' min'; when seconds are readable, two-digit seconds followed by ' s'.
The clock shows 8 h 17 min
